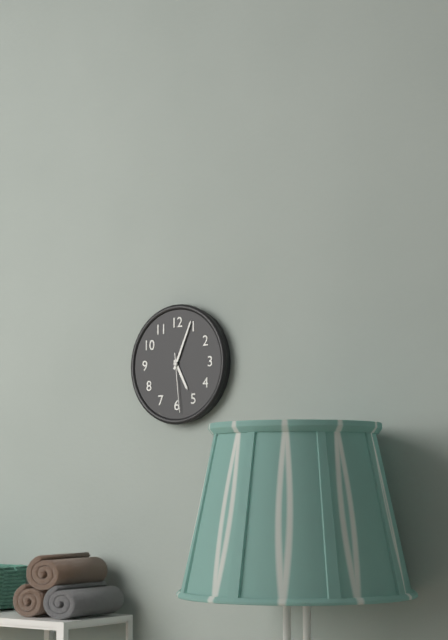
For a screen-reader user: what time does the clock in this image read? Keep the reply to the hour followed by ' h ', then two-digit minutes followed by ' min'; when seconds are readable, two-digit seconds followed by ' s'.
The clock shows 5 h 04 min 29 s
